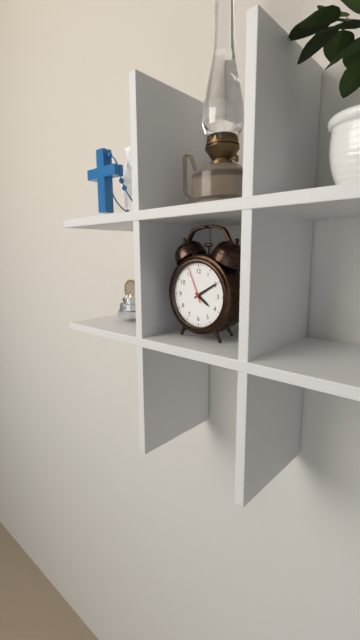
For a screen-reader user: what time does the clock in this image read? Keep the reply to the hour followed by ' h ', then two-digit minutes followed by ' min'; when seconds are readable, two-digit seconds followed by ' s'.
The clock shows 4 h 10 min
